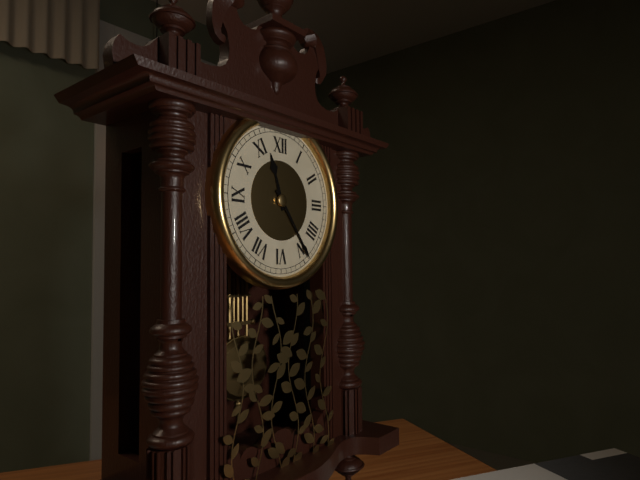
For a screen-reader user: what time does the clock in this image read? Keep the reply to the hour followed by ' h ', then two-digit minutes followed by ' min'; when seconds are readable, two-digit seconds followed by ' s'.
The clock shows 11 h 24 min
